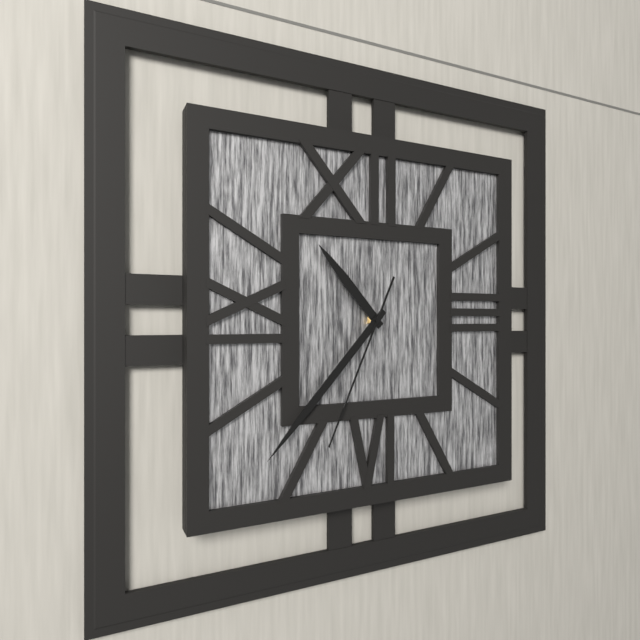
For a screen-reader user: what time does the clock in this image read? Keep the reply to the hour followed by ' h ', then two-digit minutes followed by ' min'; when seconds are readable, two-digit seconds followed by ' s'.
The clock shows 10 h 37 min 34 s
